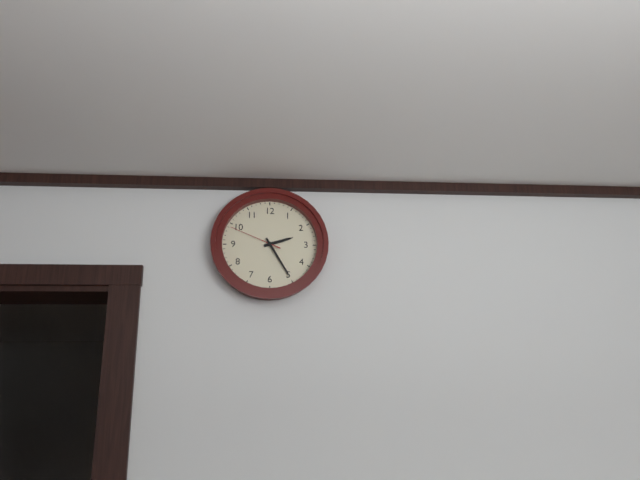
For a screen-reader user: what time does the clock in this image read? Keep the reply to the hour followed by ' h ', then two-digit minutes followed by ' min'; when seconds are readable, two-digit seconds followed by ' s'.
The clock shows 2 h 25 min 49 s
